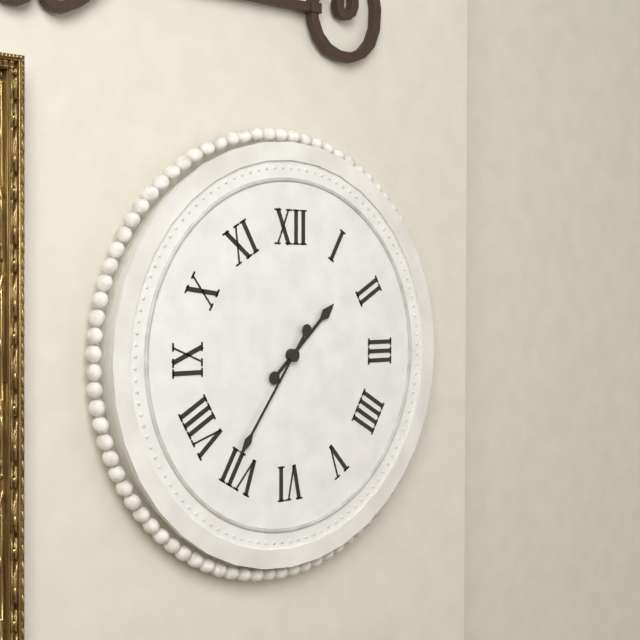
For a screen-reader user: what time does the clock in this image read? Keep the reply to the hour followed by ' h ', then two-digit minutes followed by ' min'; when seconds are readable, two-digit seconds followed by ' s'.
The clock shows 1 h 36 min
